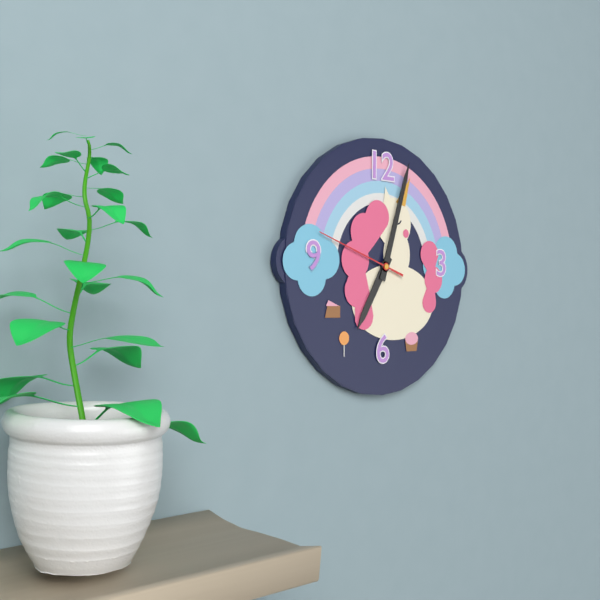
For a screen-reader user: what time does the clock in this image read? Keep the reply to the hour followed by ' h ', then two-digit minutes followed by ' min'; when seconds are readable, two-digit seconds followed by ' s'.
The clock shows 7 h 03 min 48 s
